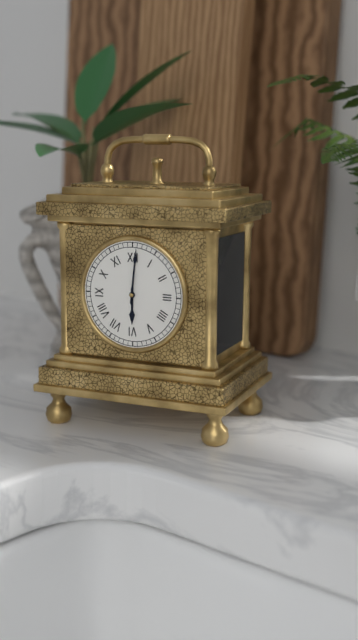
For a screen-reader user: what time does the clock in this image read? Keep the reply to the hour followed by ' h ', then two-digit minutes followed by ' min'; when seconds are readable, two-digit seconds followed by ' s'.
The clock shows 6 h 01 min
